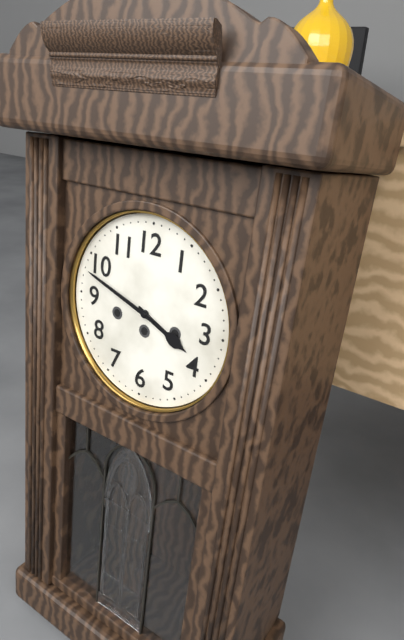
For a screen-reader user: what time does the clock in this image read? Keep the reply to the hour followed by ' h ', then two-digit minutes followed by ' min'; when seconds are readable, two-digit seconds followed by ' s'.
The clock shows 3 h 48 min
